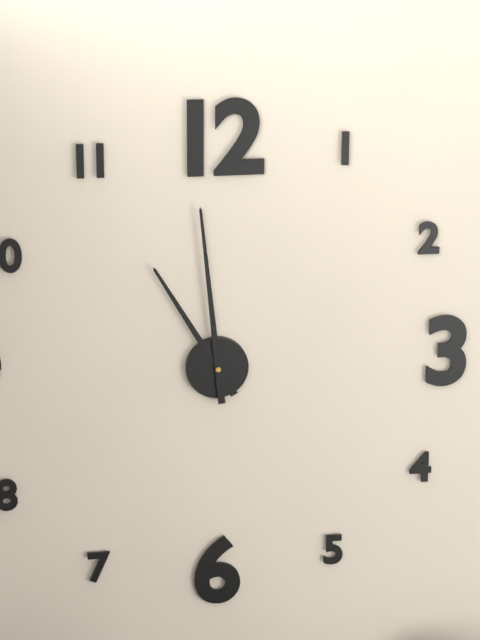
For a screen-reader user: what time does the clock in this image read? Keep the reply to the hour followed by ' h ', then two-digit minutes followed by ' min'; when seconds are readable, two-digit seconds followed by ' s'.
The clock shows 10 h 59 min
